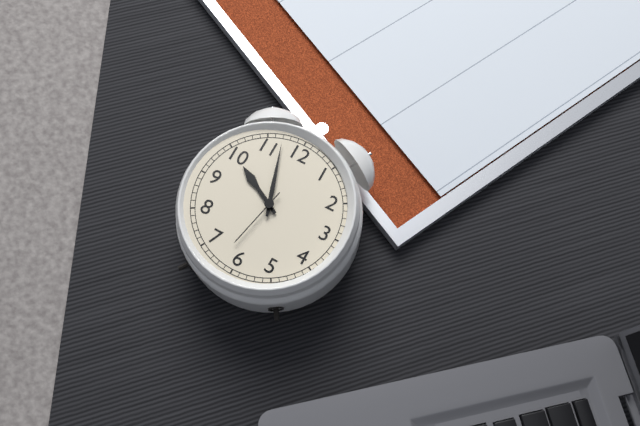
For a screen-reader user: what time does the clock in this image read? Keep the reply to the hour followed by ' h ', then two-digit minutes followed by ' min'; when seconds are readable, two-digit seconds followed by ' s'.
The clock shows 9 h 57 min 32 s
